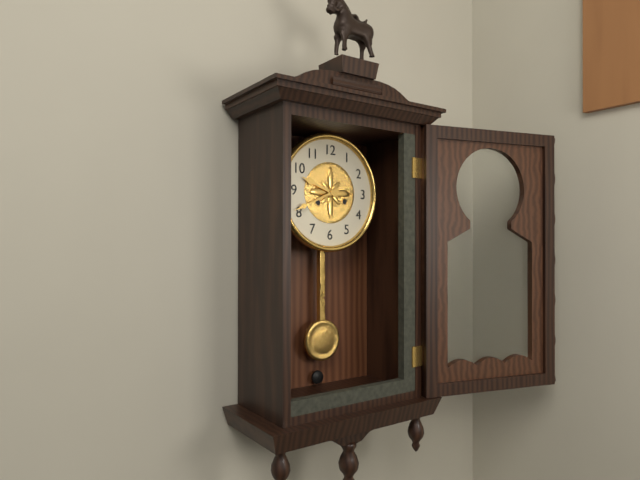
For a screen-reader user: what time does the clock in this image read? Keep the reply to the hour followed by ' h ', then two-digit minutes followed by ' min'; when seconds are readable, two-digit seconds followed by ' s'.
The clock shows 9 h 41 min
